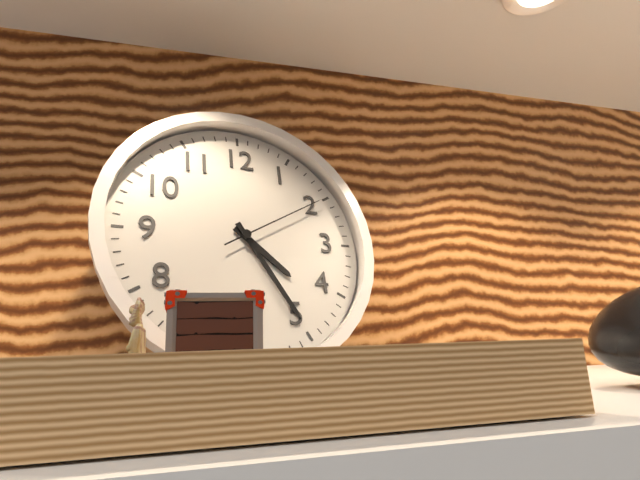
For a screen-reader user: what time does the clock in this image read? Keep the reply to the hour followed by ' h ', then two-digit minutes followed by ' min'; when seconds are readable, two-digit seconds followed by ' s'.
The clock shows 4 h 25 min 10 s
